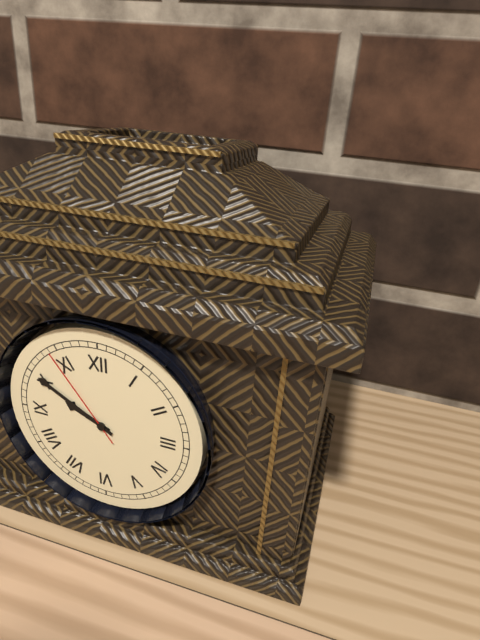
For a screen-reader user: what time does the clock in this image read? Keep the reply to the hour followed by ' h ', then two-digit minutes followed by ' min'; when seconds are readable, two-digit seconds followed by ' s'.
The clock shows 9 h 50 min 54 s
